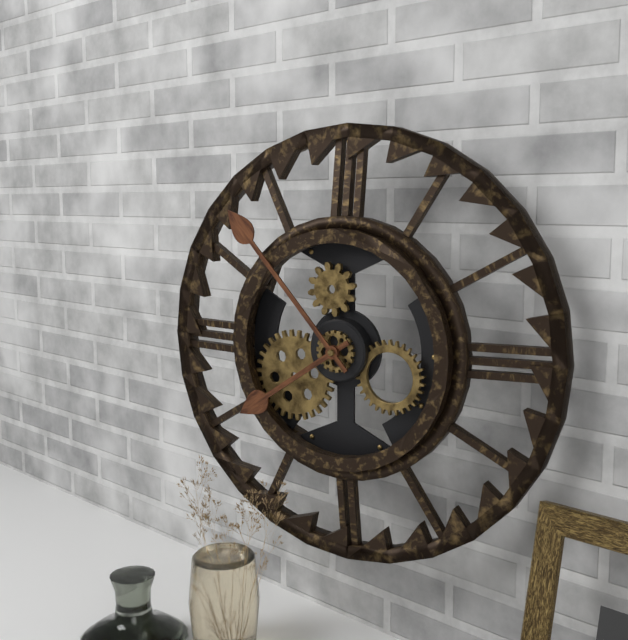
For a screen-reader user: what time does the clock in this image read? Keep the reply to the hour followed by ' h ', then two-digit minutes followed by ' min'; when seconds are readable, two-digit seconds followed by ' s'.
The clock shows 7 h 53 min
